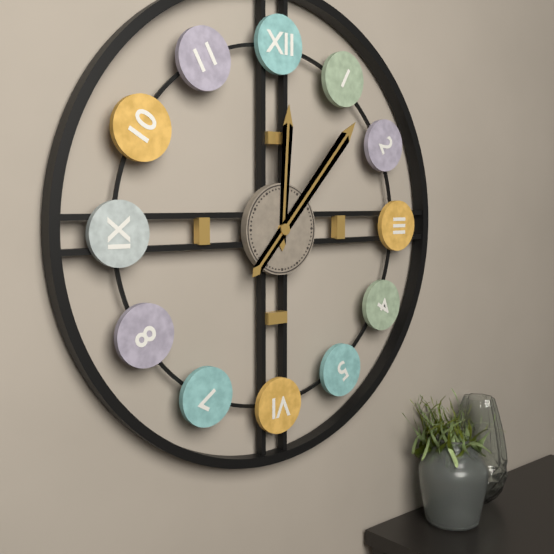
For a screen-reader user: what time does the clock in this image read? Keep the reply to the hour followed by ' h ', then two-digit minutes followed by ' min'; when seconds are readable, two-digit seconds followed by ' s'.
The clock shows 12 h 07 min
